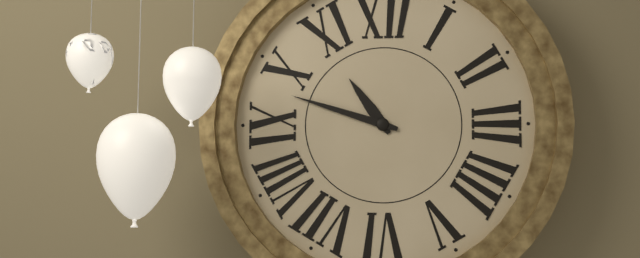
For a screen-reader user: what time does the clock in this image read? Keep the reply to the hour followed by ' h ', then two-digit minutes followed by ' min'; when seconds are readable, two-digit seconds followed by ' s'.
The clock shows 10 h 48 min
